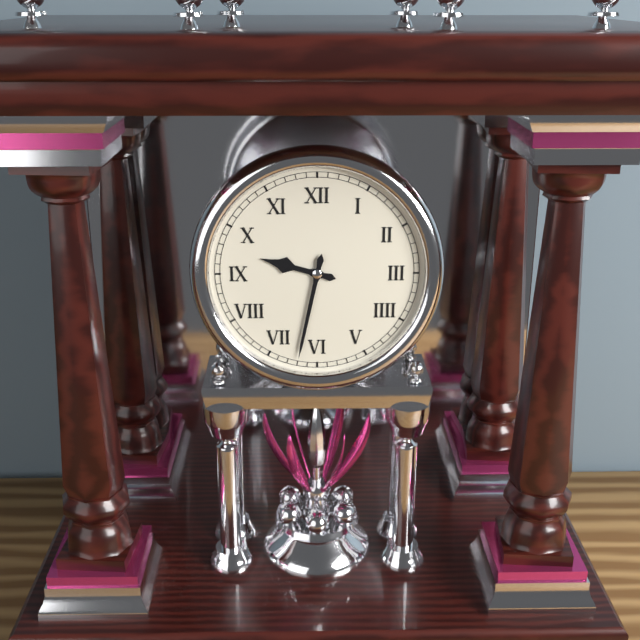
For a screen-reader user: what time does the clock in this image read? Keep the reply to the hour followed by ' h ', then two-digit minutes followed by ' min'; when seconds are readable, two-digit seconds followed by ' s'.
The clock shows 9 h 32 min
